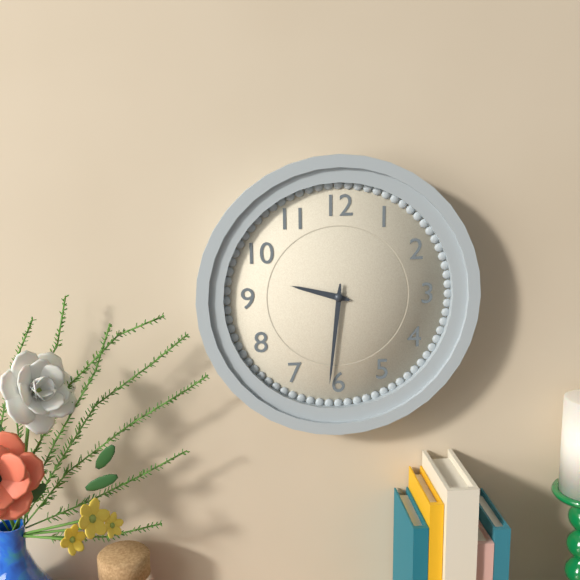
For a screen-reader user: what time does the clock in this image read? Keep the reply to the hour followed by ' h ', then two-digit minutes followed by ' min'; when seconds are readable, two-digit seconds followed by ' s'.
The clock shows 9 h 31 min
